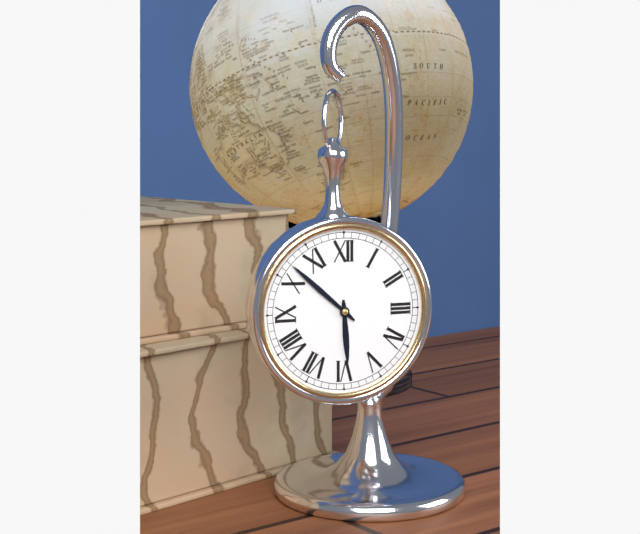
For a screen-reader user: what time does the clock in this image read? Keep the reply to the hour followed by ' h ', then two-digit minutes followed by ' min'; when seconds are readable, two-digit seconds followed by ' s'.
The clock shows 5 h 52 min
